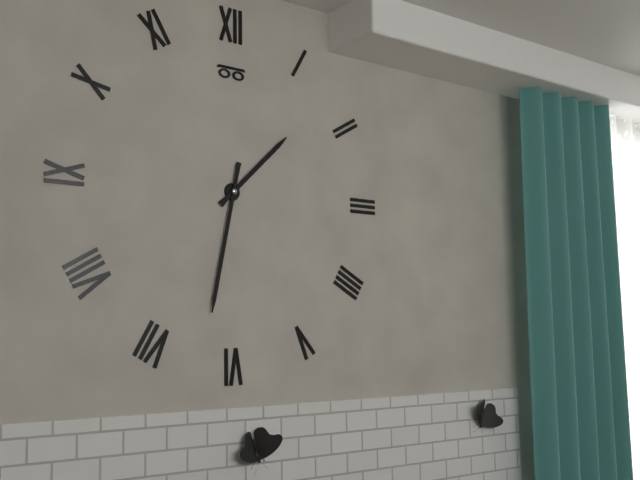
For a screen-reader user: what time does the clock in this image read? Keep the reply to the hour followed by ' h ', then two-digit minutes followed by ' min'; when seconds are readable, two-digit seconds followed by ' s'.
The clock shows 1 h 32 min
